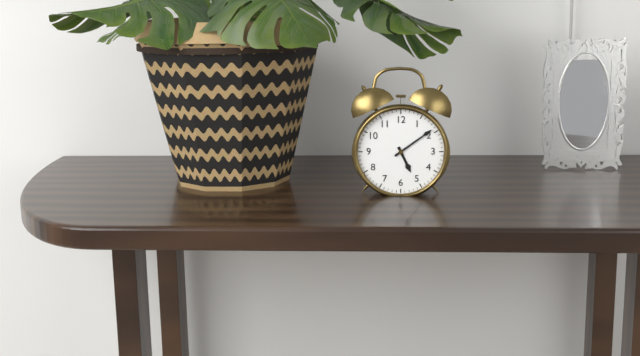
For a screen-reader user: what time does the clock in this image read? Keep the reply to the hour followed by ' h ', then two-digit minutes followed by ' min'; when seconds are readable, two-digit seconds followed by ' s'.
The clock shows 5 h 09 min
